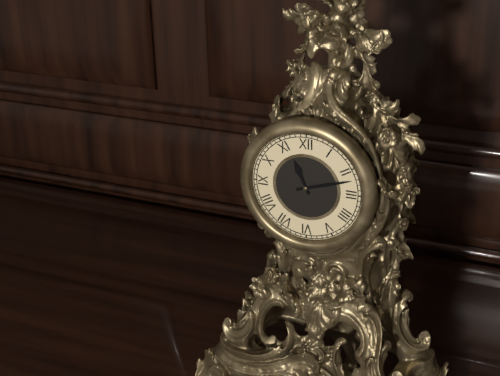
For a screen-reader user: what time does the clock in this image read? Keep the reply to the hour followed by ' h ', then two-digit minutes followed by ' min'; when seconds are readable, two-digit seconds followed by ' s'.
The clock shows 11 h 12 min
